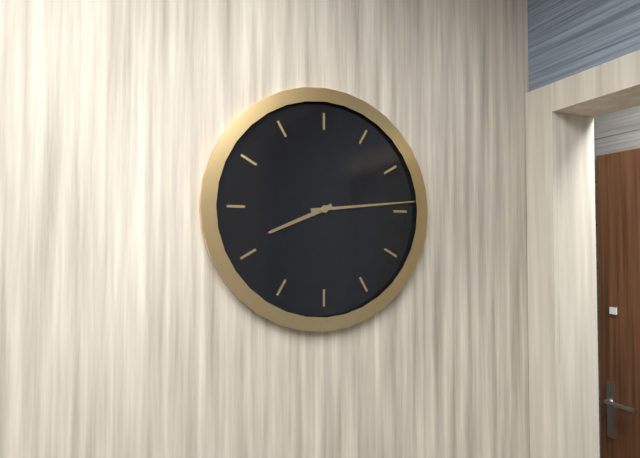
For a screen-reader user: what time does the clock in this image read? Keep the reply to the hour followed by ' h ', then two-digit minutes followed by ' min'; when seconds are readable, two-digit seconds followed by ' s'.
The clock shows 8 h 14 min
